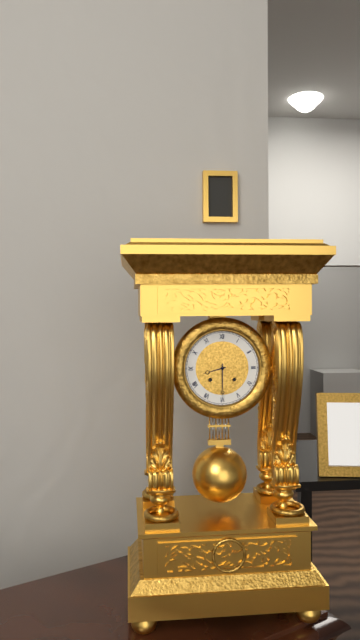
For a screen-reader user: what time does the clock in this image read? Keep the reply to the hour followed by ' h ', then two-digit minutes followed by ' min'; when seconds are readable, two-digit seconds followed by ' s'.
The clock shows 8 h 30 min
